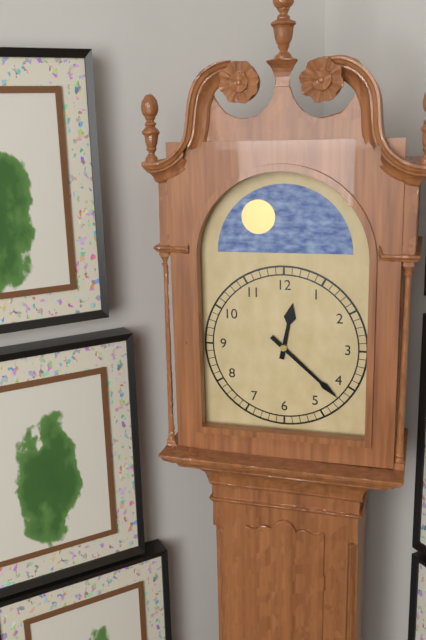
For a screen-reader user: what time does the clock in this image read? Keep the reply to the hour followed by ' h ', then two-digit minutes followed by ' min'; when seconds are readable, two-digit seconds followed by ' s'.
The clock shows 12 h 22 min
